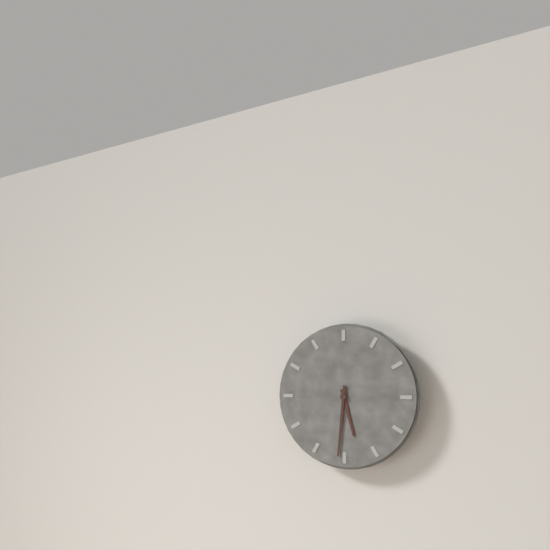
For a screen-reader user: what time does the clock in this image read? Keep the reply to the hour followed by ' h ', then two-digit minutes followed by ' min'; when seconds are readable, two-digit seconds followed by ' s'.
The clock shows 5 h 31 min
